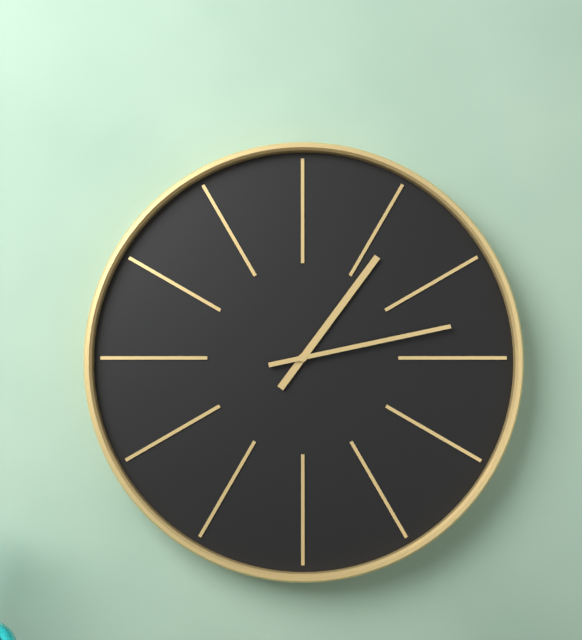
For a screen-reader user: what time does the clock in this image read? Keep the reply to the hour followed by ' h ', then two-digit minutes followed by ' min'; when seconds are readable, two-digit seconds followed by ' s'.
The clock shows 1 h 13 min
